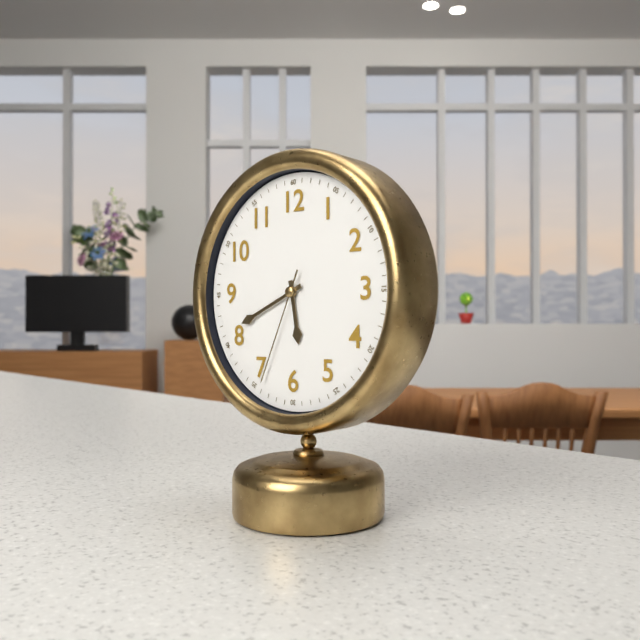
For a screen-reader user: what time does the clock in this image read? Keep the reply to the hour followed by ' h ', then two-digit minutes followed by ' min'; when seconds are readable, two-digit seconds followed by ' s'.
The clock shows 5 h 41 min 34 s
